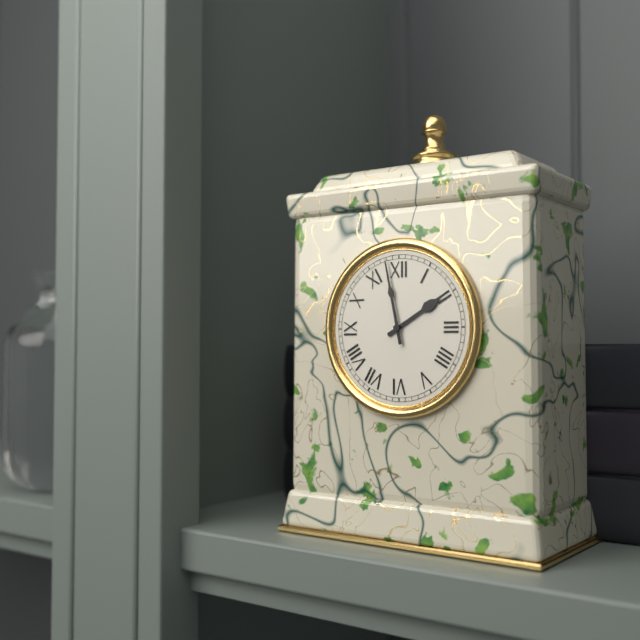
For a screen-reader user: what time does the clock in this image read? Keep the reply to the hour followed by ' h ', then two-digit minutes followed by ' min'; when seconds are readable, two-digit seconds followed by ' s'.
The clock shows 1 h 58 min
